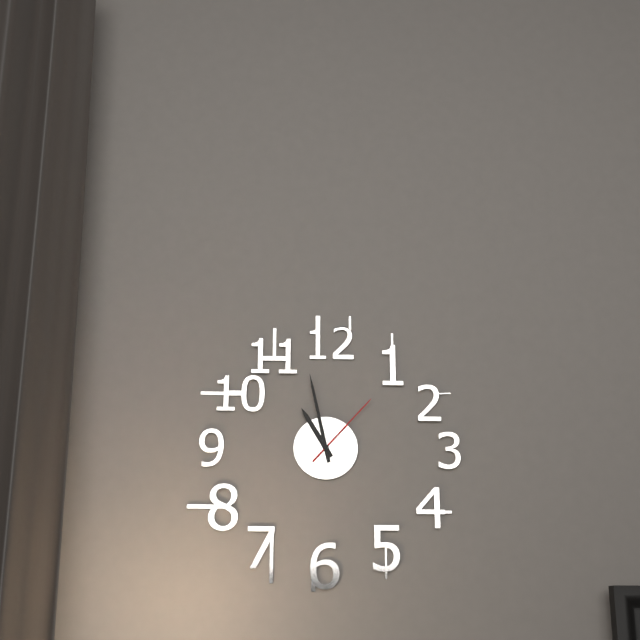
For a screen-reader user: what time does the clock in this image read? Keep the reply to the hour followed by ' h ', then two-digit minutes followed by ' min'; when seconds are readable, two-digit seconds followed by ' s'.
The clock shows 10 h 58 min 07 s
